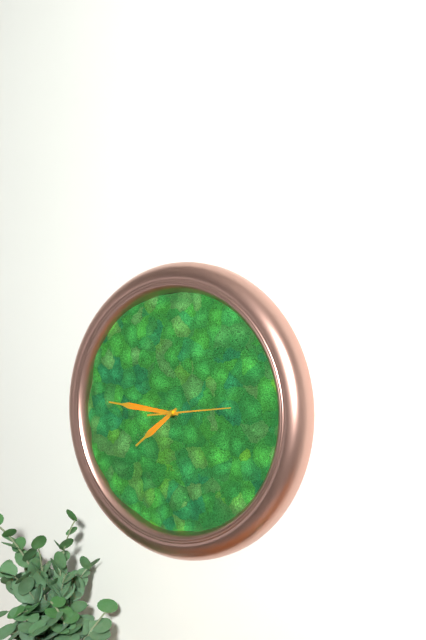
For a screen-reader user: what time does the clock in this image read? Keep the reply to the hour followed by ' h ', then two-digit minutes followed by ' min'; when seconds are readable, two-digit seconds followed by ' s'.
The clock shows 7 h 46 min 14 s
